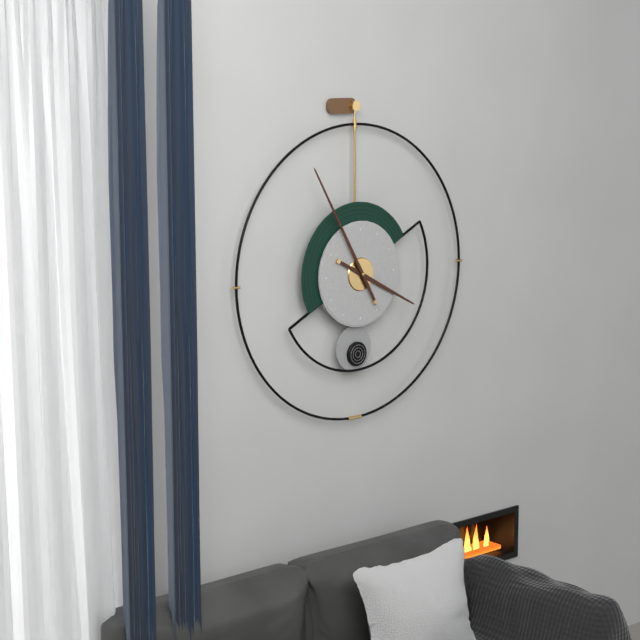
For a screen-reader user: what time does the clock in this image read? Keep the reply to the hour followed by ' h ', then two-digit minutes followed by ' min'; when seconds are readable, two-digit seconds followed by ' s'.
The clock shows 3 h 55 min
